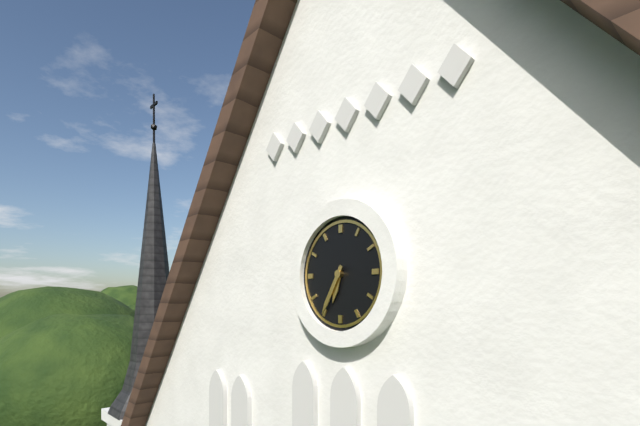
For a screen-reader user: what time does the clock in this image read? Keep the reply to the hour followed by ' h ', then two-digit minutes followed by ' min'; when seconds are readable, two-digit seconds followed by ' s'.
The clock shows 6 h 35 min
